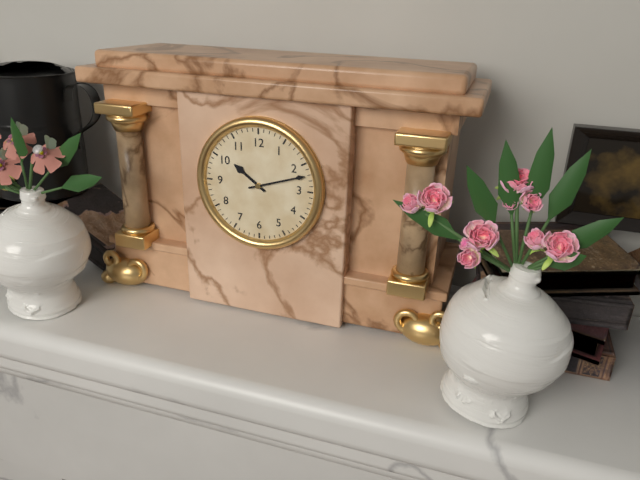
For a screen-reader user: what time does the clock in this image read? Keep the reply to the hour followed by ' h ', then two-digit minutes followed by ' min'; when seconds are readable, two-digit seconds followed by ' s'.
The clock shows 10 h 12 min
